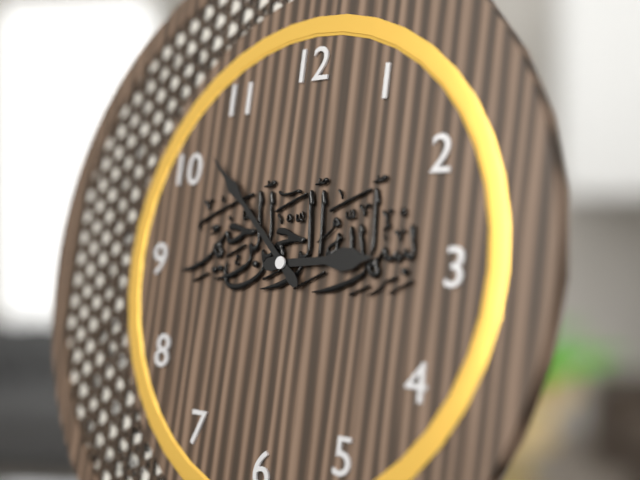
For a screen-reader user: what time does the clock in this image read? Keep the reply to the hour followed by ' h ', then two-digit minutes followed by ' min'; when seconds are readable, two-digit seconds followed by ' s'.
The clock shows 2 h 52 min
